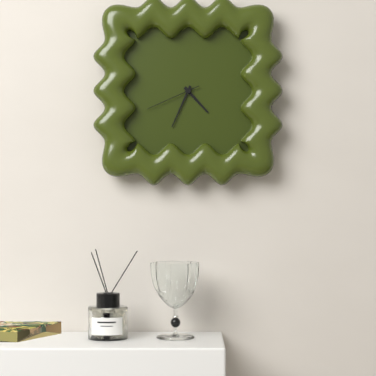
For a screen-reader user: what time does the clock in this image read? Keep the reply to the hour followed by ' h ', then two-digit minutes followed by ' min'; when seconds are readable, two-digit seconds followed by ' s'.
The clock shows 4 h 34 min 41 s
